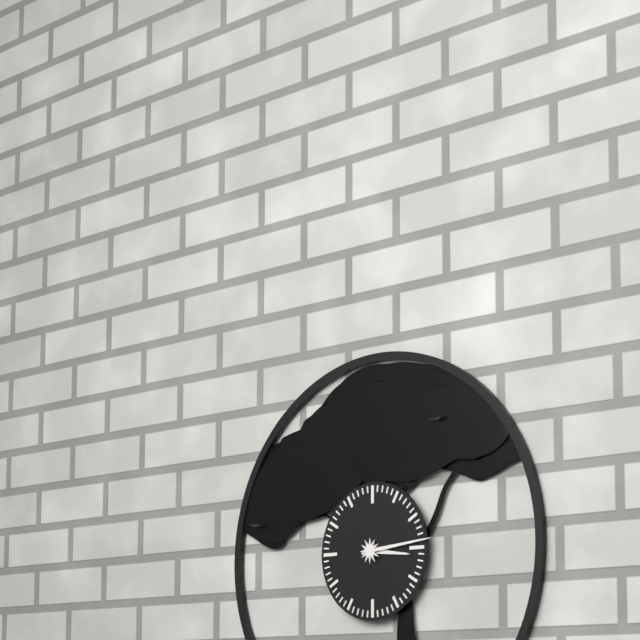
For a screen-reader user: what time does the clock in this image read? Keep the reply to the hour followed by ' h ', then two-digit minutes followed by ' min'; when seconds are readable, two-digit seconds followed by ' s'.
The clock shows 3 h 14 min
